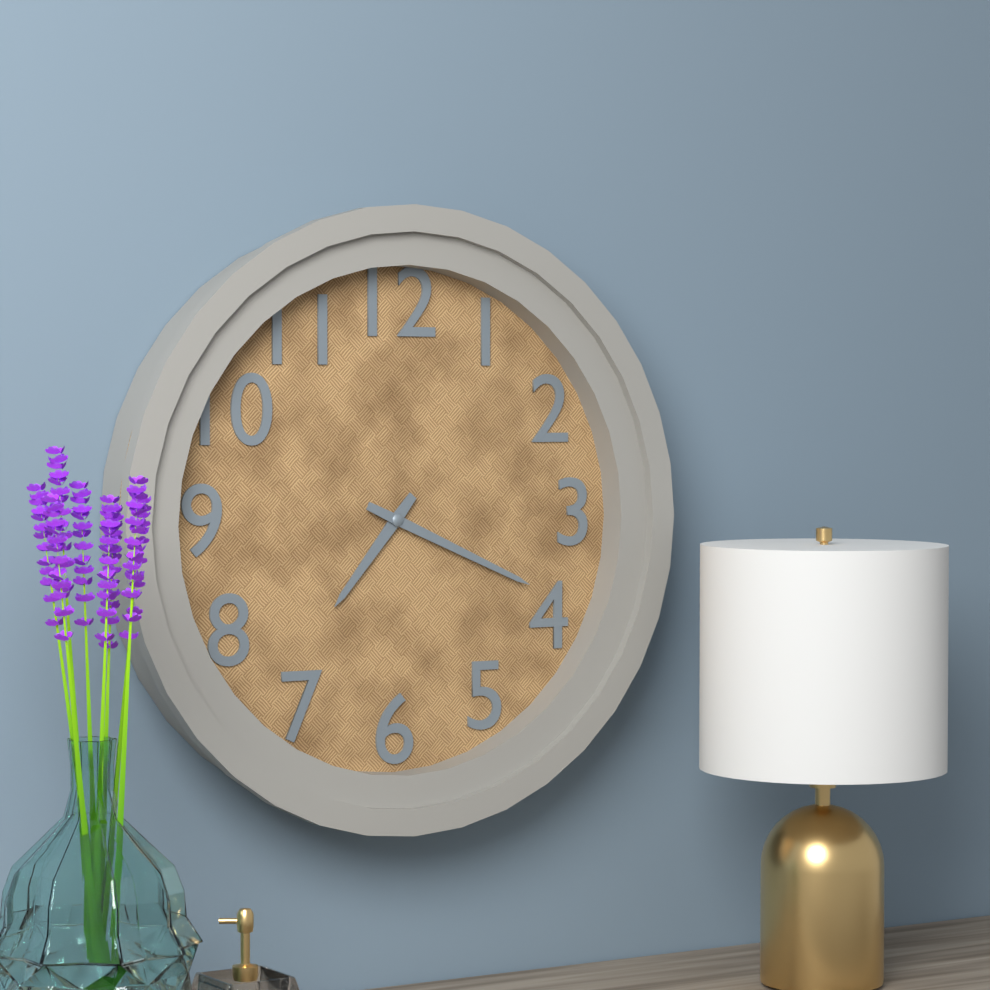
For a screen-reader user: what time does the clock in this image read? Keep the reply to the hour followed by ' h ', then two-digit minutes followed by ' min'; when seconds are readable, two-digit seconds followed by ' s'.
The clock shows 7 h 19 min
